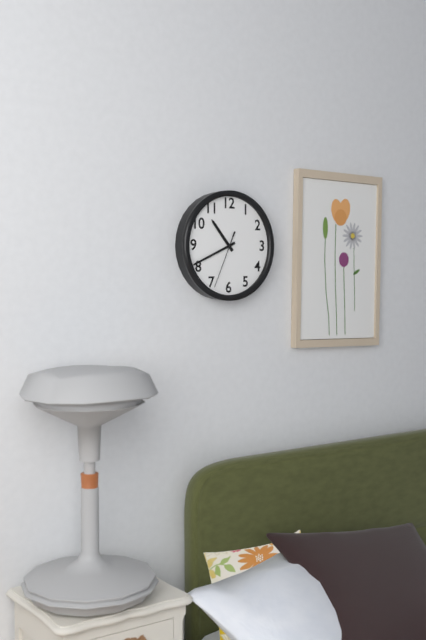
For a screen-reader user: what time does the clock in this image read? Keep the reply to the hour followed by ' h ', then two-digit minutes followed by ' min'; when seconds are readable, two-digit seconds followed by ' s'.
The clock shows 10 h 41 min 34 s
